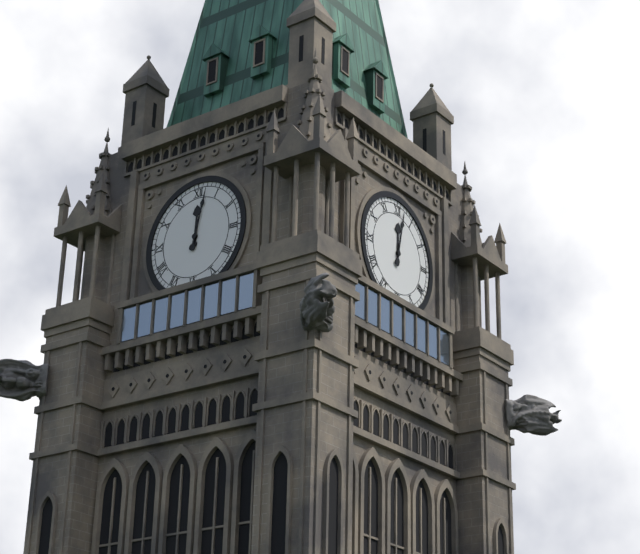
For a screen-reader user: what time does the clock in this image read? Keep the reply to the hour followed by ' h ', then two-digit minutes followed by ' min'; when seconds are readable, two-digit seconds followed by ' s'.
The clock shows 12 h 02 min
